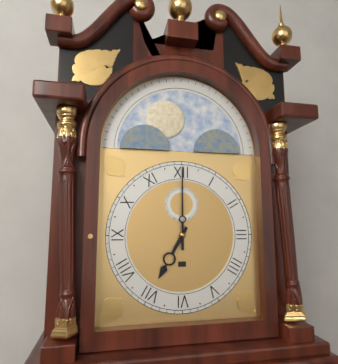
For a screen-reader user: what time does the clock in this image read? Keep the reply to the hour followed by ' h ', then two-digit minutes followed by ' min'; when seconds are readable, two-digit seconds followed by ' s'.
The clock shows 7 h 00 min
